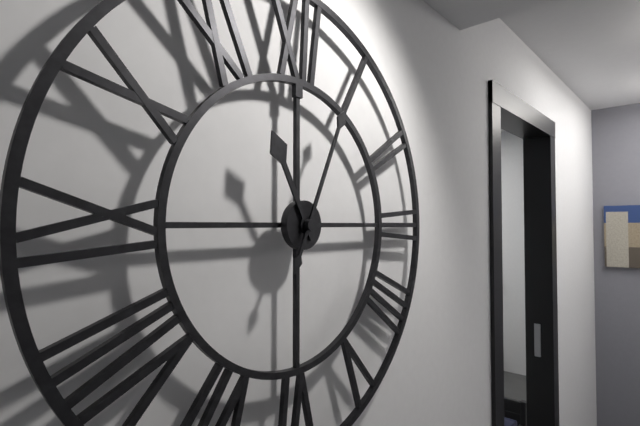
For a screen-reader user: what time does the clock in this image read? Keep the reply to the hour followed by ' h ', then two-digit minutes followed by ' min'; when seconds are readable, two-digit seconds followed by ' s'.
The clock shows 11 h 04 min
